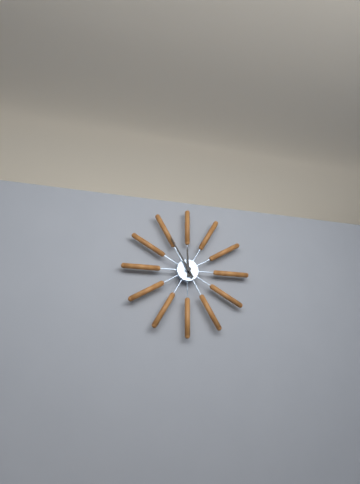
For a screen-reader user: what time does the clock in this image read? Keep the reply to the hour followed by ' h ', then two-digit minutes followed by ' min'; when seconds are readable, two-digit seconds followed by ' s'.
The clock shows 11 h 55 min
